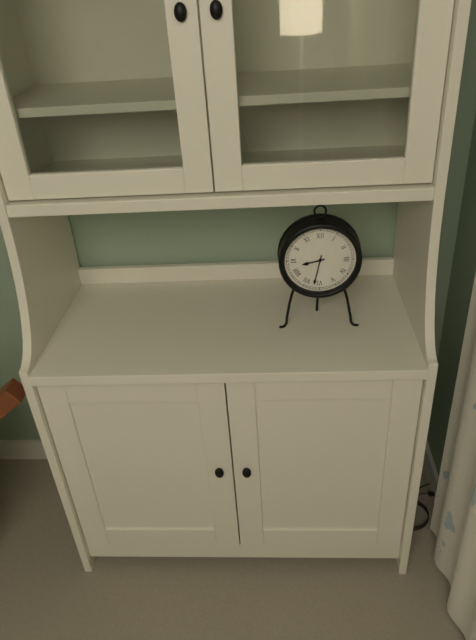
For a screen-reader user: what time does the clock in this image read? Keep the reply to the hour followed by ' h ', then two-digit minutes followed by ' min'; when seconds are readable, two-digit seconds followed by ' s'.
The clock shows 8 h 32 min
